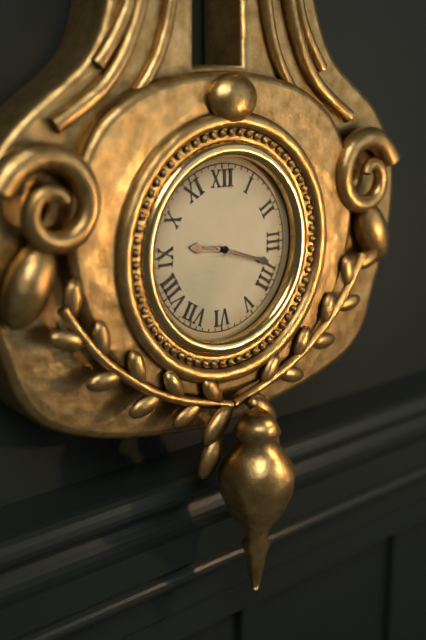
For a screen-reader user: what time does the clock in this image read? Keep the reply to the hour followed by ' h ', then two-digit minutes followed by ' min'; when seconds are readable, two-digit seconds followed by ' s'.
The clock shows 9 h 18 min
